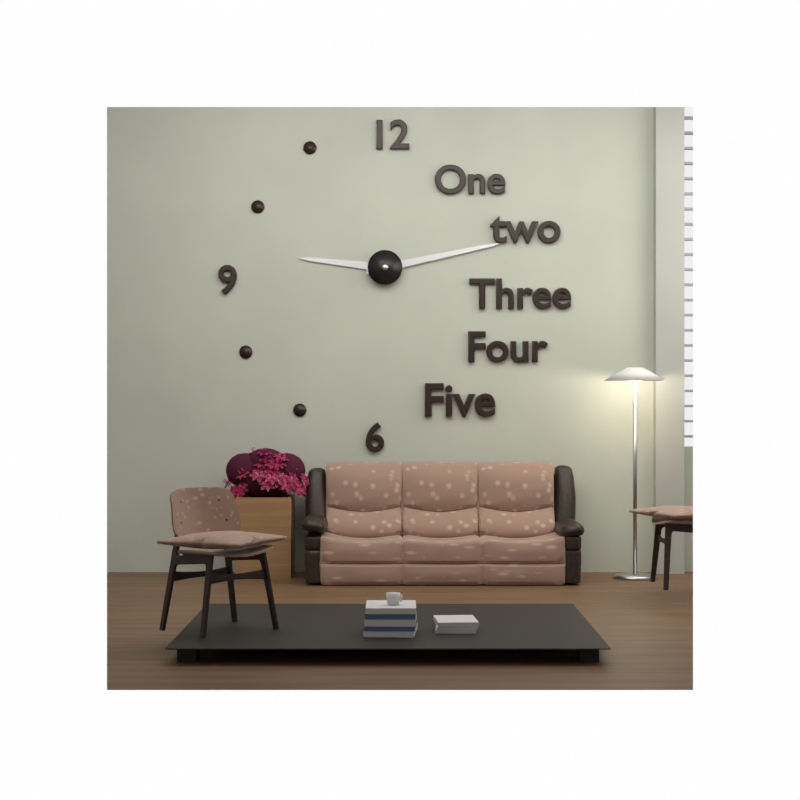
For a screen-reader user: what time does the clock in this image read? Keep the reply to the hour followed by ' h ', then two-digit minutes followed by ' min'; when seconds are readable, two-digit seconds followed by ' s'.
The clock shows 9 h 13 min
